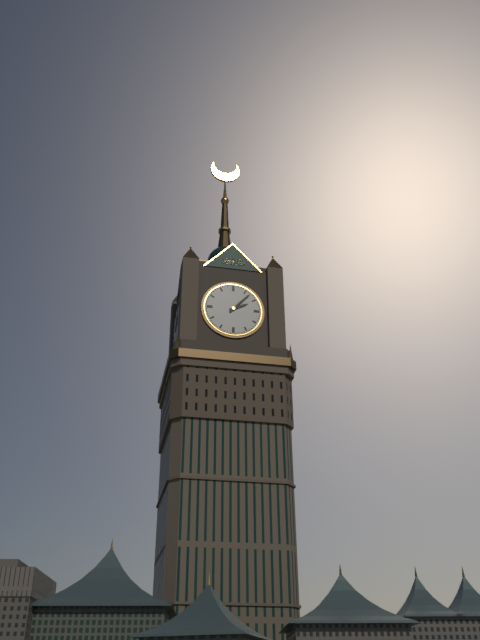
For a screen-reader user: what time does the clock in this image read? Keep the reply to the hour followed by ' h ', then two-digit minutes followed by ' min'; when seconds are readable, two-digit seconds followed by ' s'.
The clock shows 2 h 07 min
